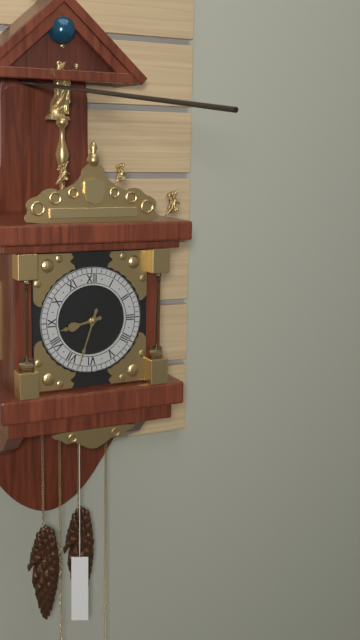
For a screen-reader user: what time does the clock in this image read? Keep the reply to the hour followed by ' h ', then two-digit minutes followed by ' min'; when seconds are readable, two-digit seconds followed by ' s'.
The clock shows 8 h 33 min
